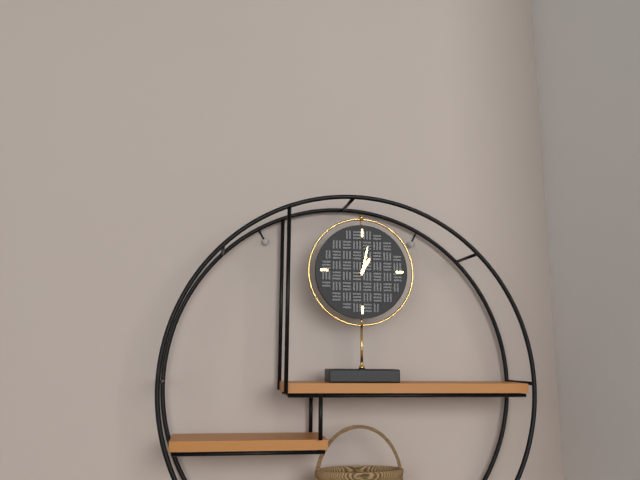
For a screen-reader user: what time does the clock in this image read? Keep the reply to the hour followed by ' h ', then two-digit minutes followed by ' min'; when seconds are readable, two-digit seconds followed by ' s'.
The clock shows 1 h 02 min
